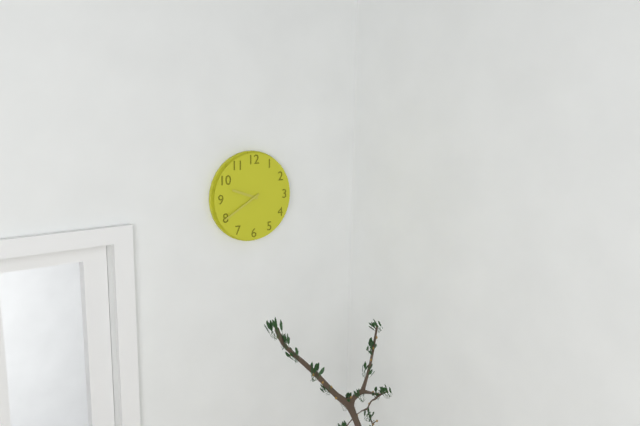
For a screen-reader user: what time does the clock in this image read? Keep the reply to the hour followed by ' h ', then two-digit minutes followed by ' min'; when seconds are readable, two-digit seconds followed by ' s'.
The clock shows 9 h 40 min
